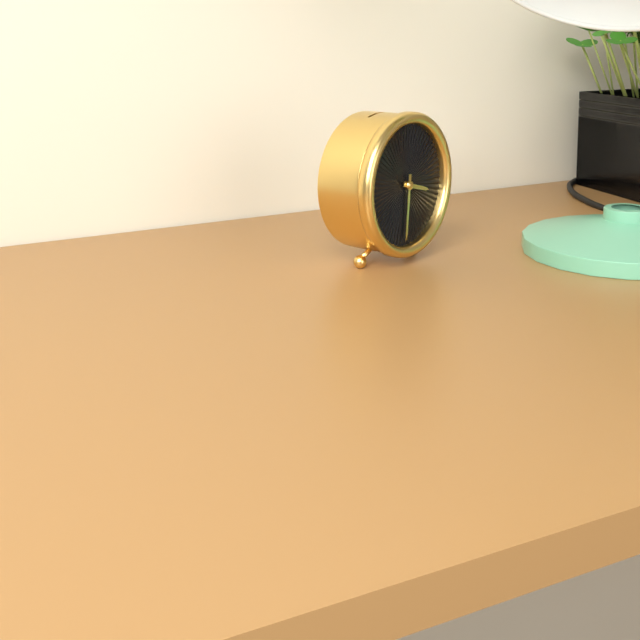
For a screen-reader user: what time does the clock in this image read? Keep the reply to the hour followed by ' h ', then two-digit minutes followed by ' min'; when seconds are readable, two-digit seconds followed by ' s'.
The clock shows 3 h 31 min
